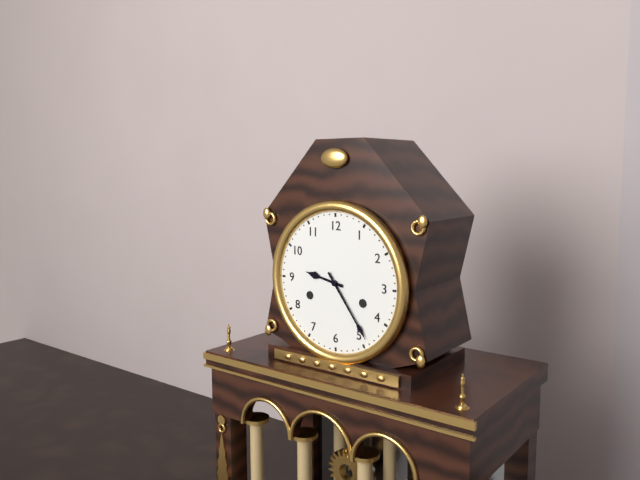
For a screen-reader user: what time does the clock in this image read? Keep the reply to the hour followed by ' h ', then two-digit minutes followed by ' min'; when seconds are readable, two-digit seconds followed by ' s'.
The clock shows 9 h 24 min
